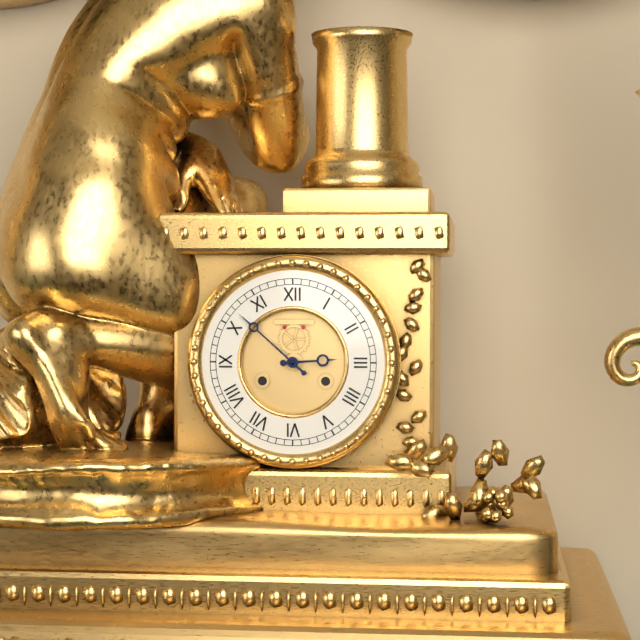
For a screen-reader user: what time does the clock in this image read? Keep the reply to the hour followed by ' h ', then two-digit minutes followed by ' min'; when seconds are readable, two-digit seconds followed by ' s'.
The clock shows 2 h 52 min
